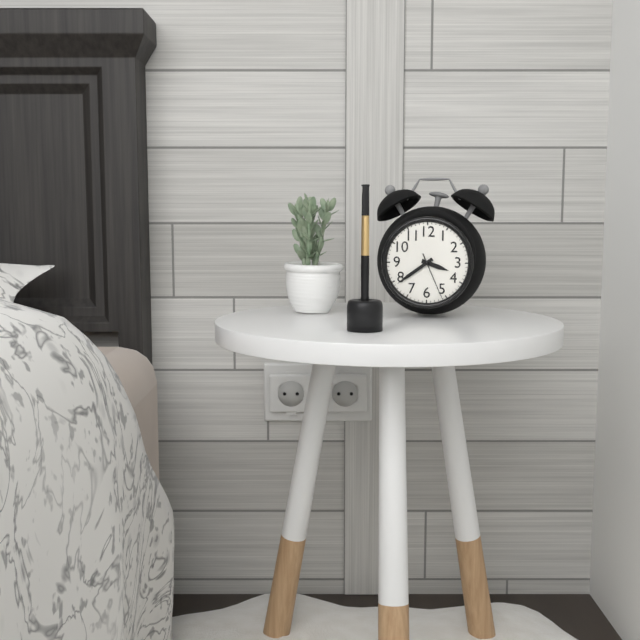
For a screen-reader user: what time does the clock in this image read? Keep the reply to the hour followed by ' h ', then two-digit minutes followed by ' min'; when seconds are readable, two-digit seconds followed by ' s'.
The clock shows 3 h 39 min
